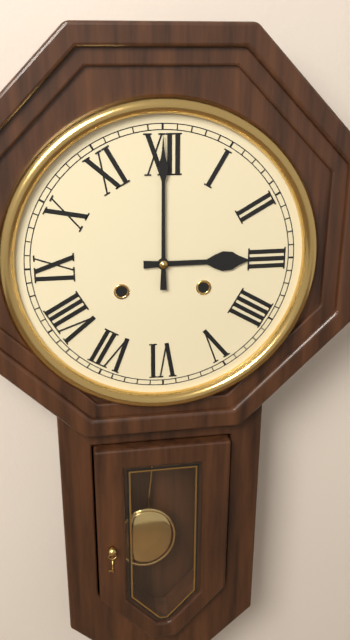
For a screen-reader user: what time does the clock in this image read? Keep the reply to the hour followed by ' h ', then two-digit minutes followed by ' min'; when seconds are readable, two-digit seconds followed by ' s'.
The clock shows 3 h 00 min
